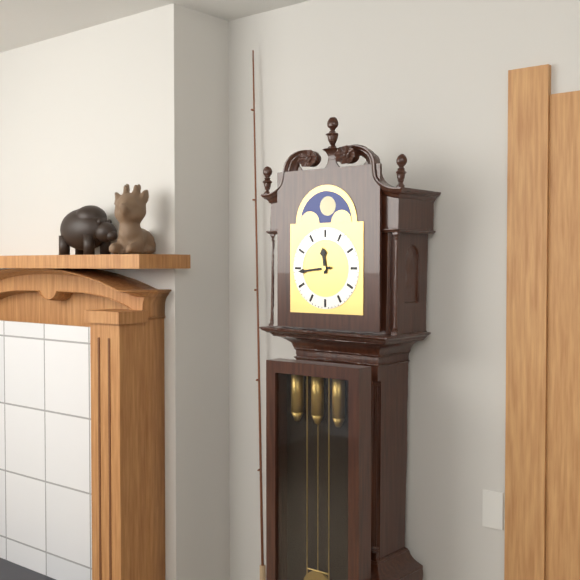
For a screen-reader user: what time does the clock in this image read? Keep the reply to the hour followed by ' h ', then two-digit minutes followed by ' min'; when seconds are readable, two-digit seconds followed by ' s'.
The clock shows 11 h 44 min
